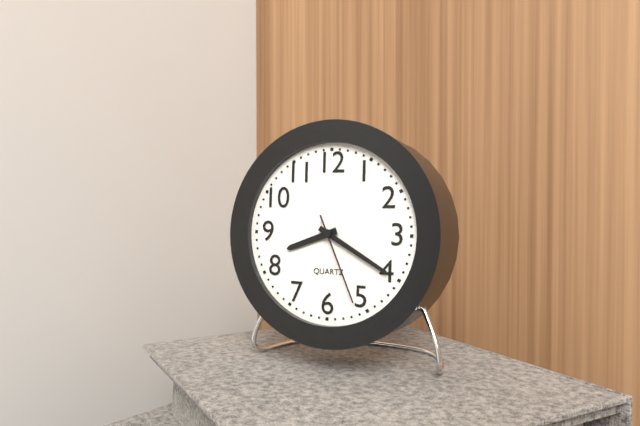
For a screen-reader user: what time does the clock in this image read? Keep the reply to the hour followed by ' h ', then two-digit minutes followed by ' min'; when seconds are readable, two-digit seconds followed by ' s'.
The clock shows 8 h 20 min 26 s
